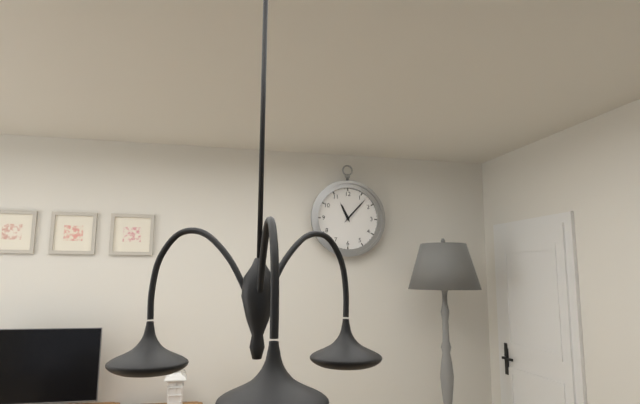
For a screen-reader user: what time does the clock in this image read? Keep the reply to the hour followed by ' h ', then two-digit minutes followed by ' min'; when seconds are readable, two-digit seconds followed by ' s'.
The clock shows 11 h 07 min
